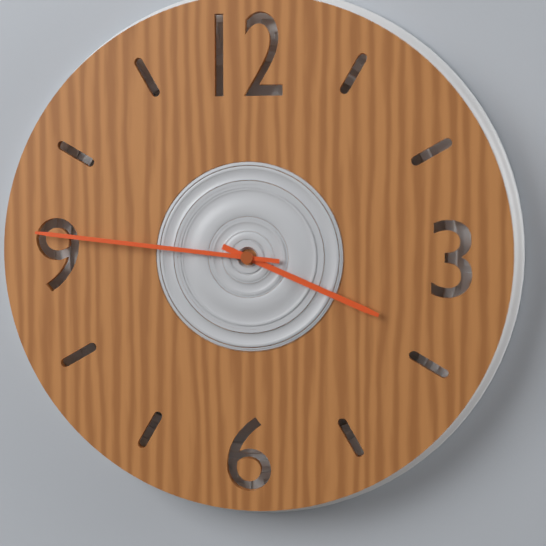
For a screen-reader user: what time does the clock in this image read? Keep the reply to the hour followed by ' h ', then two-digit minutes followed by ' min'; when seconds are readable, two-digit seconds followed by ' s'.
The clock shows 3 h 46 min
